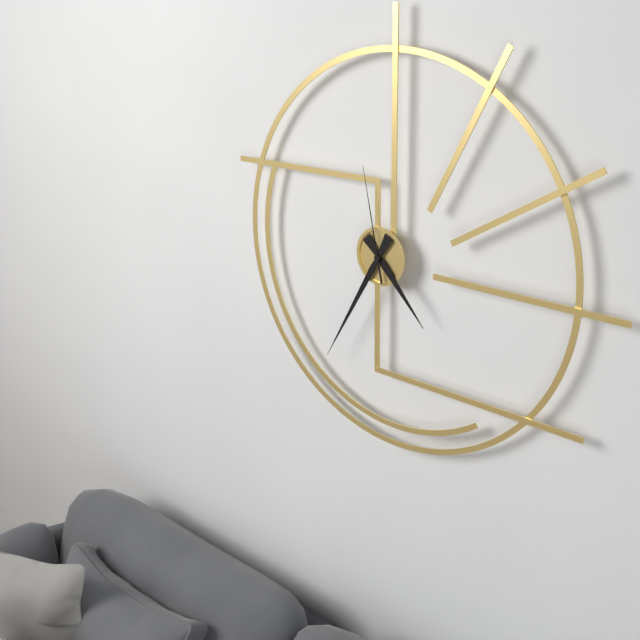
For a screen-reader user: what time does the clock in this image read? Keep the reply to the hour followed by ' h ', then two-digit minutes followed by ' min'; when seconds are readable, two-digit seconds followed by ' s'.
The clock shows 4 h 35 min 58 s
